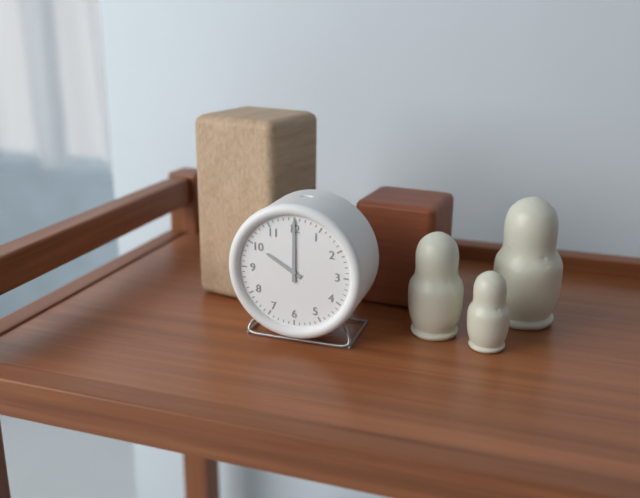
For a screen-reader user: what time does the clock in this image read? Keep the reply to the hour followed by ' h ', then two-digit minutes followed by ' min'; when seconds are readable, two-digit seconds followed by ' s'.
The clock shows 10 h 00 min
